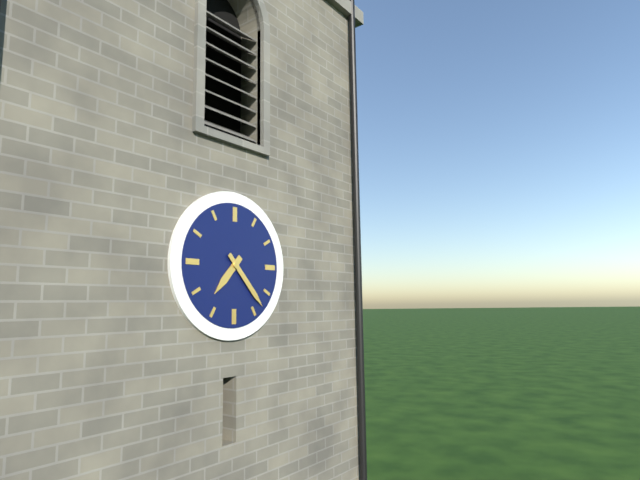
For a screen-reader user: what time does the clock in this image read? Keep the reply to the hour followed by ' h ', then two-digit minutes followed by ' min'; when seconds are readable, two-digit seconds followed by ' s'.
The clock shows 7 h 23 min
